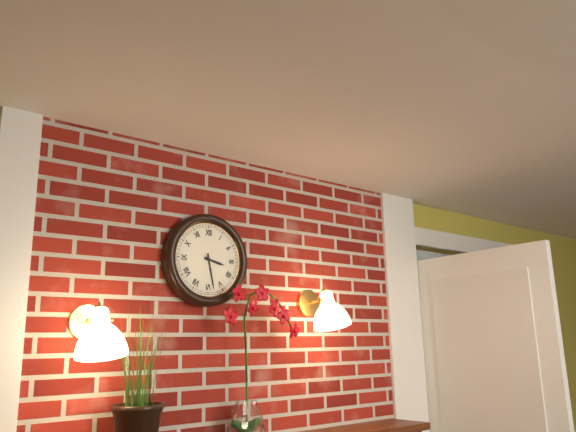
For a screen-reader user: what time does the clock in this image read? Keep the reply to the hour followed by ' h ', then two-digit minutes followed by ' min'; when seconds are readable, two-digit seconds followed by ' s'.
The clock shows 3 h 28 min
